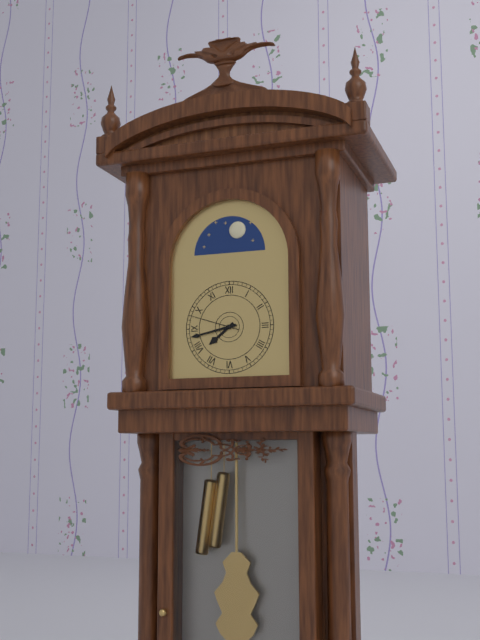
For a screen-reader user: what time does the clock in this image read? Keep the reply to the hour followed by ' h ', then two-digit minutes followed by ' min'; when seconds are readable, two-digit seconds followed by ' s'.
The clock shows 7 h 43 min 48 s
